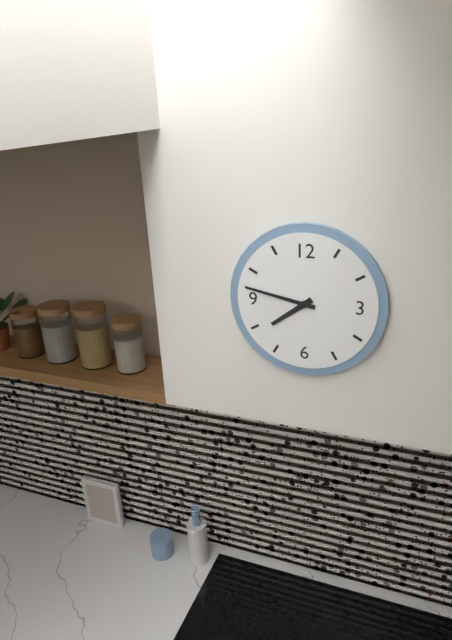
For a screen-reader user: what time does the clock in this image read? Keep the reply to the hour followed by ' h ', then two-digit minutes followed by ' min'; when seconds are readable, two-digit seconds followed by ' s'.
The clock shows 7 h 47 min
